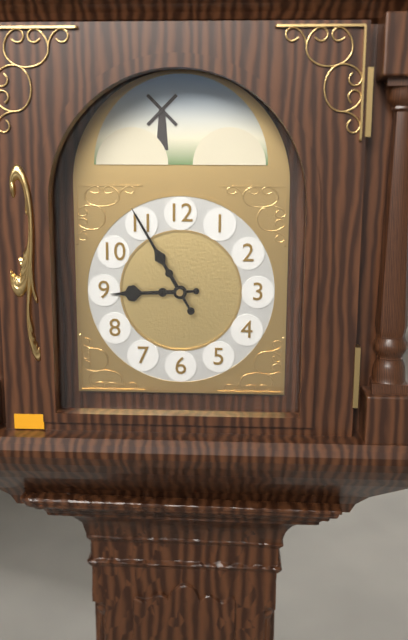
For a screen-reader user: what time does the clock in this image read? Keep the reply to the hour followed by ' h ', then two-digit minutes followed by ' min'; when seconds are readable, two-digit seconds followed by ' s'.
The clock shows 8 h 55 min
